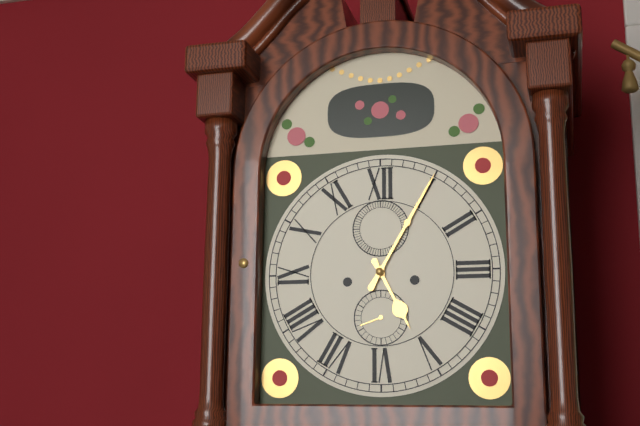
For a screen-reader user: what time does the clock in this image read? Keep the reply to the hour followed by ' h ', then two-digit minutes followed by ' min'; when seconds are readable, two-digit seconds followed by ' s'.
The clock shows 5 h 05 min
